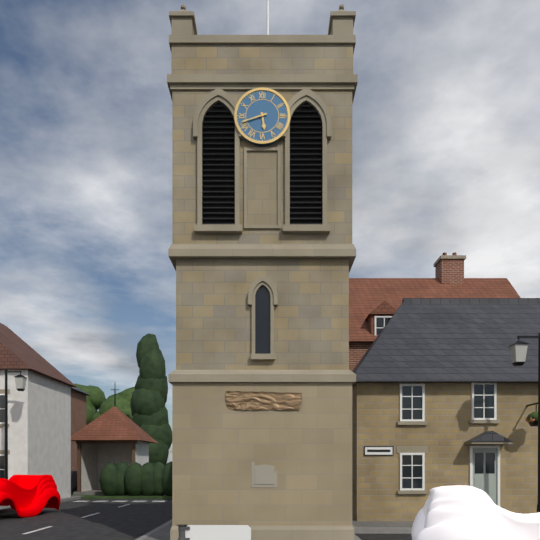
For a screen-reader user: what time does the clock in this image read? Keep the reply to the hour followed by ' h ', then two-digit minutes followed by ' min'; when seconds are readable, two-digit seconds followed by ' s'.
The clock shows 5 h 42 min
